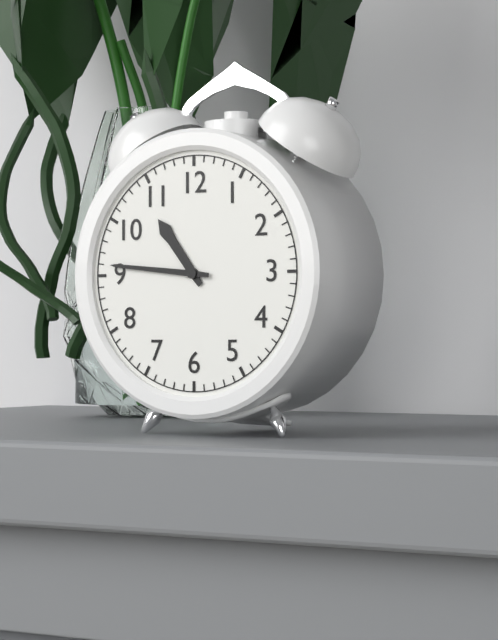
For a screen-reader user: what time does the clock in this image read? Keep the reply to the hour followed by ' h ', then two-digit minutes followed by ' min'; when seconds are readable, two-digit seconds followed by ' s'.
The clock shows 10 h 46 min
